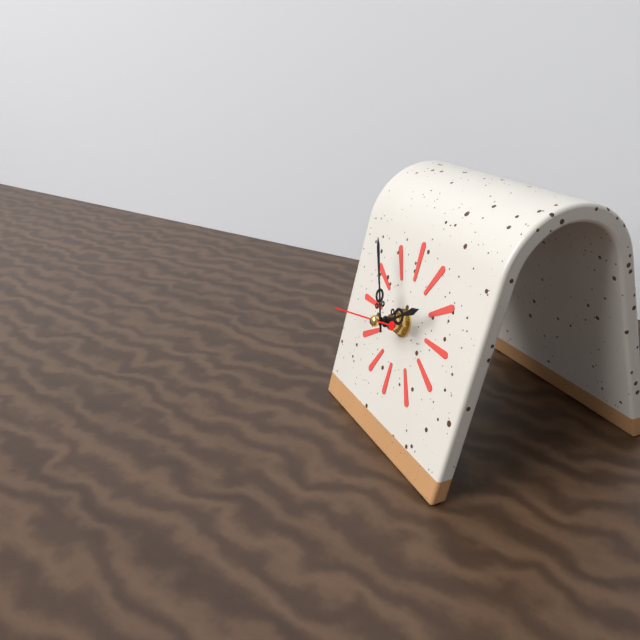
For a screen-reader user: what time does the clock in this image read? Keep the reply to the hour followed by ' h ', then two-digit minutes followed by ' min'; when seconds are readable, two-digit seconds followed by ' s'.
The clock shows 1 h 55 min 43 s
